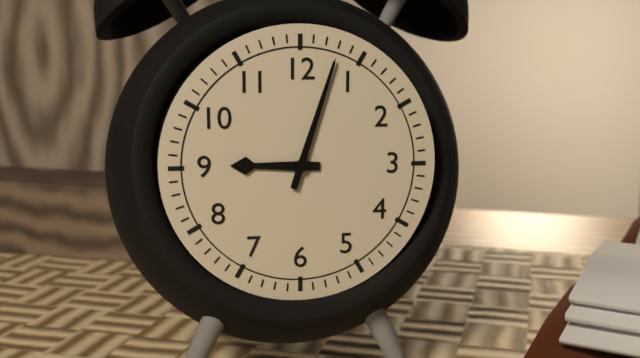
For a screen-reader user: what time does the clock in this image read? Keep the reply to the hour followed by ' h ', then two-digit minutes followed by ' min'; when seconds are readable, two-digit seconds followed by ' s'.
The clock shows 9 h 03 min
